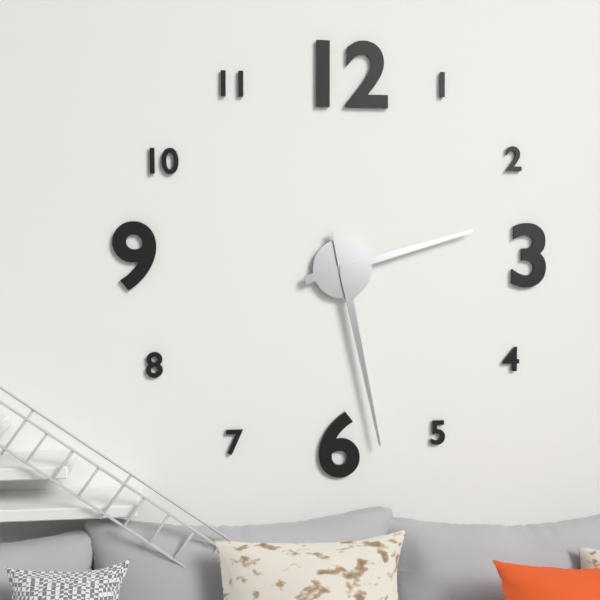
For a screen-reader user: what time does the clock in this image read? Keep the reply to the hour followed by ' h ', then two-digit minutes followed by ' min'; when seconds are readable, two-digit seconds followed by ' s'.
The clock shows 2 h 28 min
